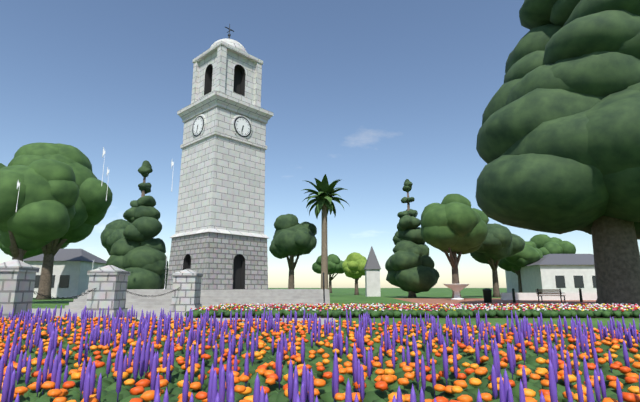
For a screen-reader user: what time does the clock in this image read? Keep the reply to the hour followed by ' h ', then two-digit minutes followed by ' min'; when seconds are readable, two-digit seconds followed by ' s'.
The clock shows 6 h 32 min
